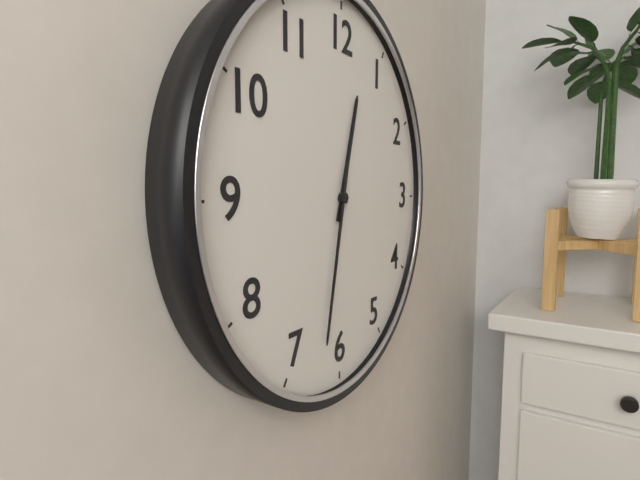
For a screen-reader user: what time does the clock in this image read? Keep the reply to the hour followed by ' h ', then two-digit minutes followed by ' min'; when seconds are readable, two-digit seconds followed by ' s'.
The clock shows 12 h 32 min
